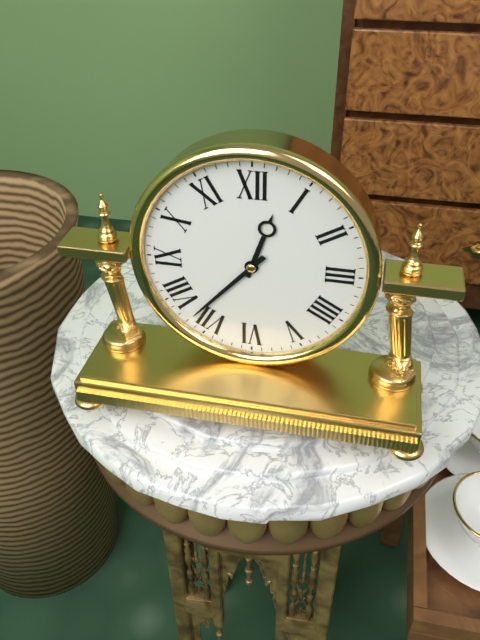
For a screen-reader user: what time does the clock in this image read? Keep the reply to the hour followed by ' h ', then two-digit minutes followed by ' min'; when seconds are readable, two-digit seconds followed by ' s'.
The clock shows 12 h 37 min
